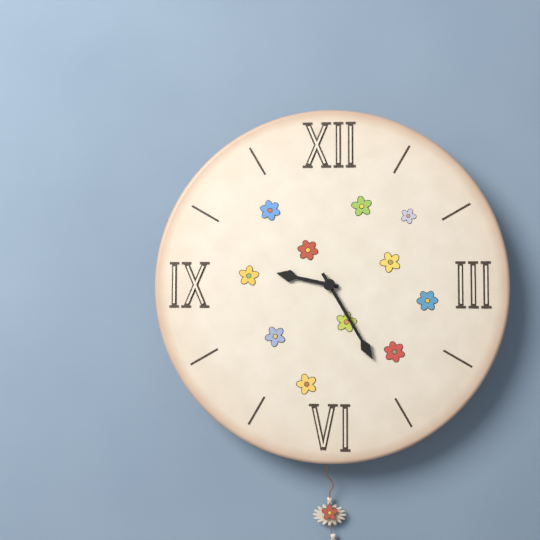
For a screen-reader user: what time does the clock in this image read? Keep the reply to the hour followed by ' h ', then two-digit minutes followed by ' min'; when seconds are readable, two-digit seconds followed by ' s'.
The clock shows 9 h 25 min
